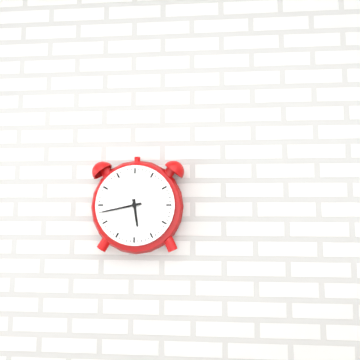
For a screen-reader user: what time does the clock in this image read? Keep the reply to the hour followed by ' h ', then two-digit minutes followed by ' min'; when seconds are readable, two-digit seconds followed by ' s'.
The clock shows 5 h 43 min
